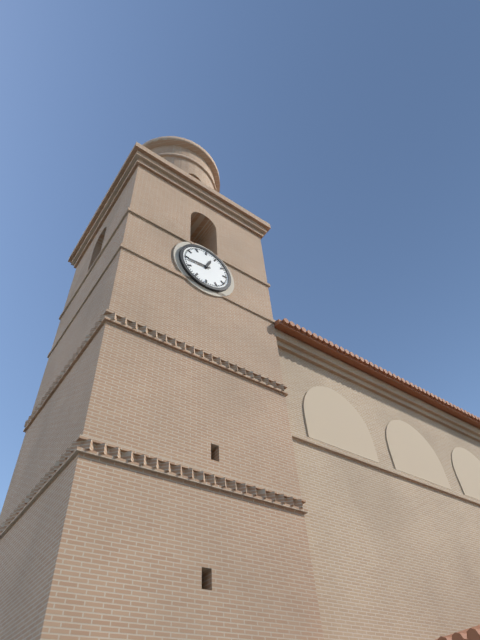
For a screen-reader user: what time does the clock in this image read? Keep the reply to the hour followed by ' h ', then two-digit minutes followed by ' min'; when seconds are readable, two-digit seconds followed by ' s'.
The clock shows 12 h 44 min
